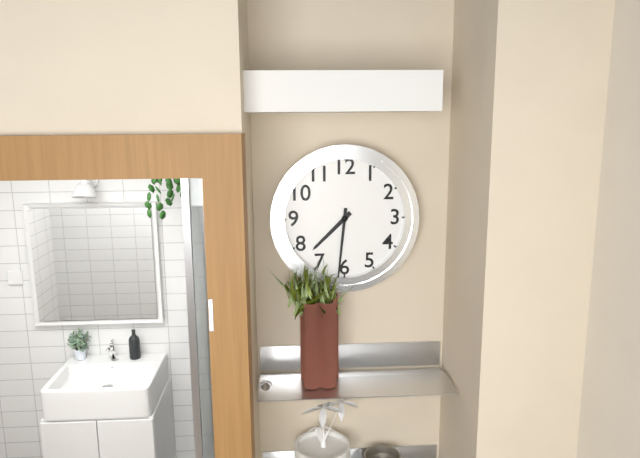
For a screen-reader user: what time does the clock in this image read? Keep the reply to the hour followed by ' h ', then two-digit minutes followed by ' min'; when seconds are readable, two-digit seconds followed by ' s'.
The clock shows 7 h 31 min
